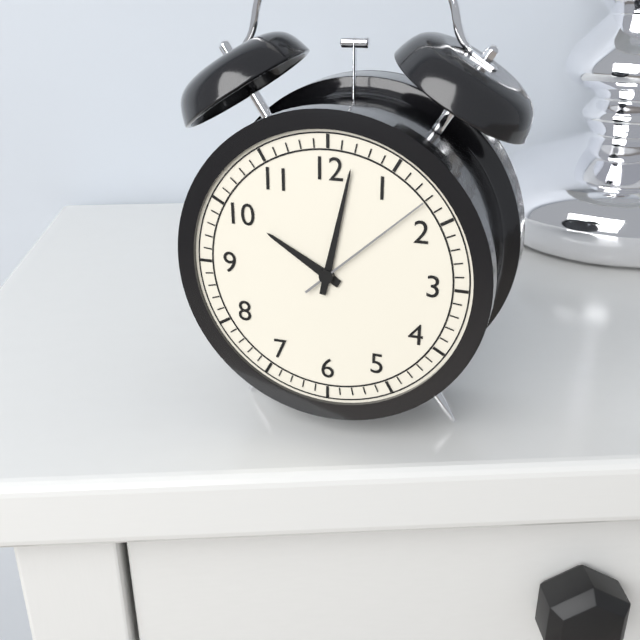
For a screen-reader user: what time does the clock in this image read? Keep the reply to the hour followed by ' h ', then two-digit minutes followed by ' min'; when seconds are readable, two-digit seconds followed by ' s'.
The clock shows 10 h 02 min 08 s
